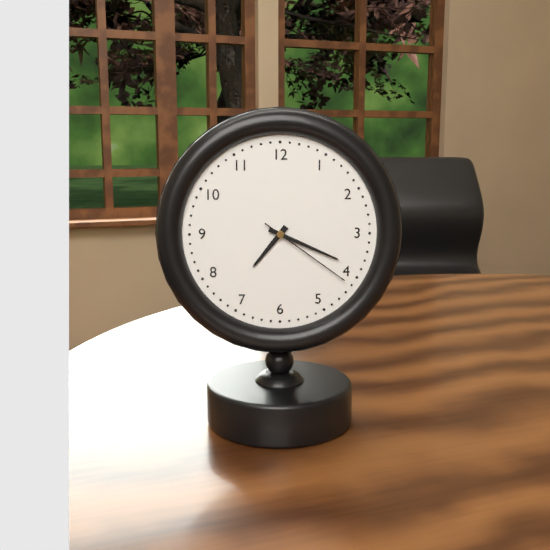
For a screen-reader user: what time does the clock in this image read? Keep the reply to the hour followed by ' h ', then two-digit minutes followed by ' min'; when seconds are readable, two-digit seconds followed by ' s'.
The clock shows 7 h 19 min 21 s
